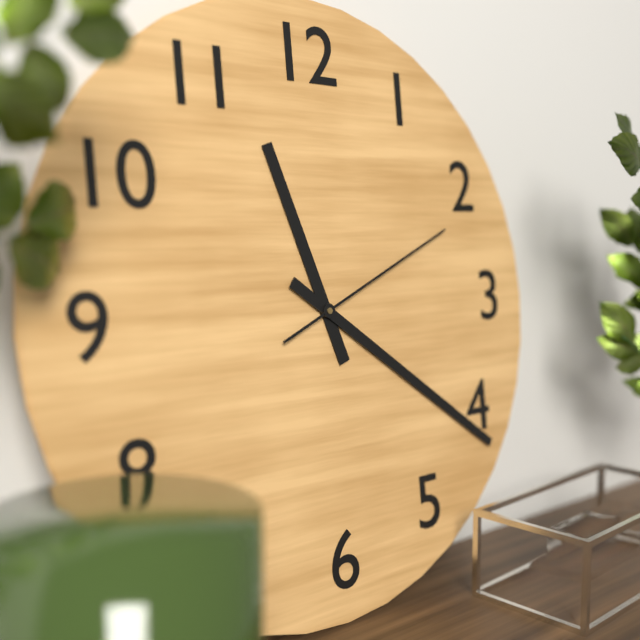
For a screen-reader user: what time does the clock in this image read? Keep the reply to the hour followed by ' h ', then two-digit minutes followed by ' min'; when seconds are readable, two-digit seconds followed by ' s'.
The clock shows 11 h 21 min 11 s
